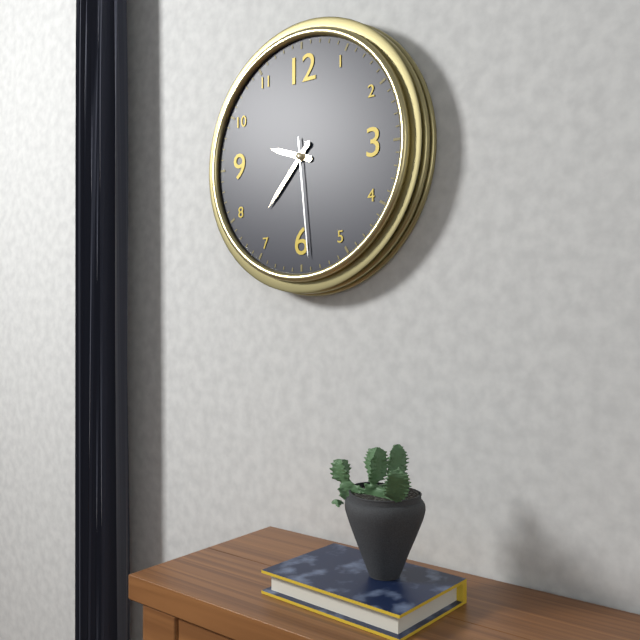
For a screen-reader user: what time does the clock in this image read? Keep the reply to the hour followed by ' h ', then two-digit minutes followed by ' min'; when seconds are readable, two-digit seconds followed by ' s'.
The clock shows 9 h 37 min 29 s
